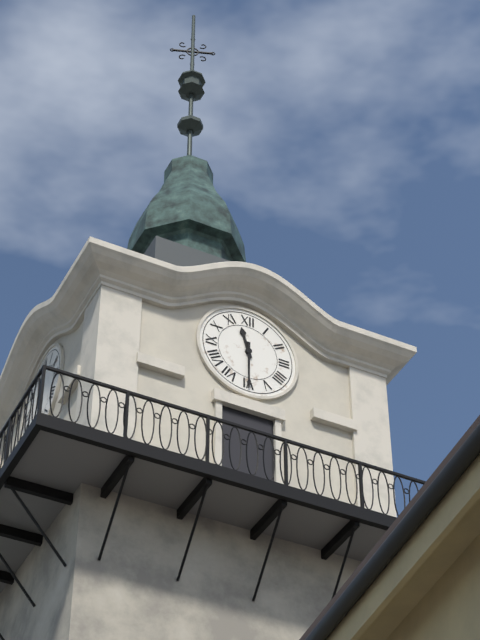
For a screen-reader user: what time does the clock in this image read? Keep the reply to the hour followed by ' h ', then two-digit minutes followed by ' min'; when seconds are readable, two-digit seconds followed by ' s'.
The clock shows 11 h 30 min
